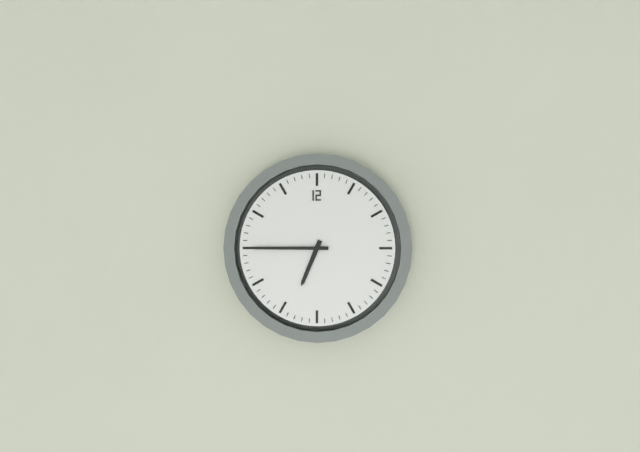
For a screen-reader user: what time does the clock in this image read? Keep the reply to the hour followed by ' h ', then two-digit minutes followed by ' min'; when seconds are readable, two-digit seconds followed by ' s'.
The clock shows 6 h 45 min
